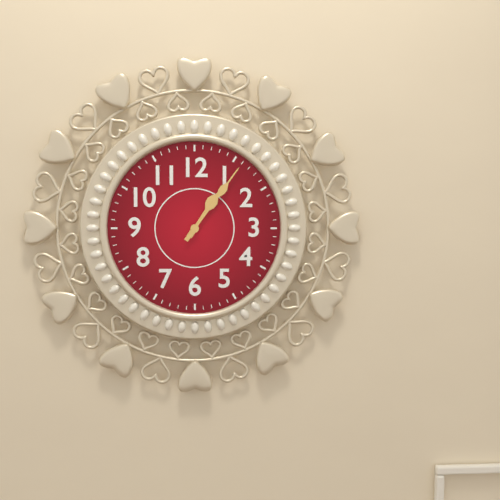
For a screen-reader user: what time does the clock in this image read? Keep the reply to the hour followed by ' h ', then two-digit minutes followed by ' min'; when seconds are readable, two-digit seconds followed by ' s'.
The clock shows 1 h 06 min
